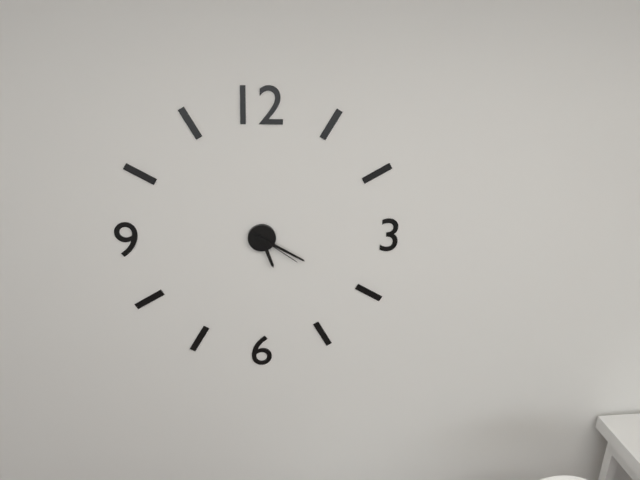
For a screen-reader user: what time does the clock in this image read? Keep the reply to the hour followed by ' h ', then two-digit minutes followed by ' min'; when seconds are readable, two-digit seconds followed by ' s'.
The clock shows 5 h 20 min 21 s
